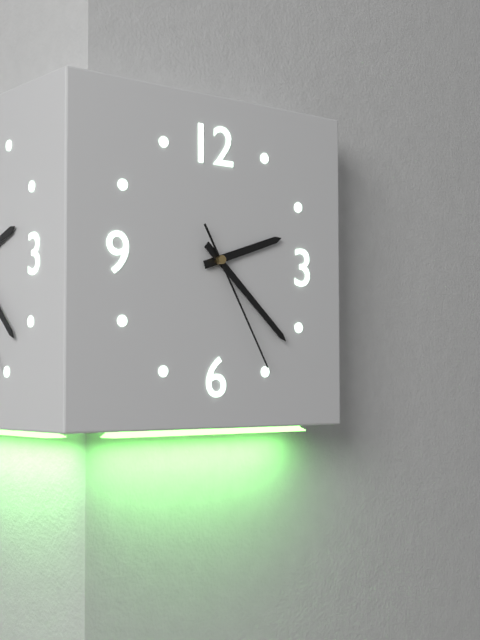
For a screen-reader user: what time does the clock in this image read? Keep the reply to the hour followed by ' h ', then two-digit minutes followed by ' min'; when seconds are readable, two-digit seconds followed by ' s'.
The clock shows 2 h 22 min 25 s
